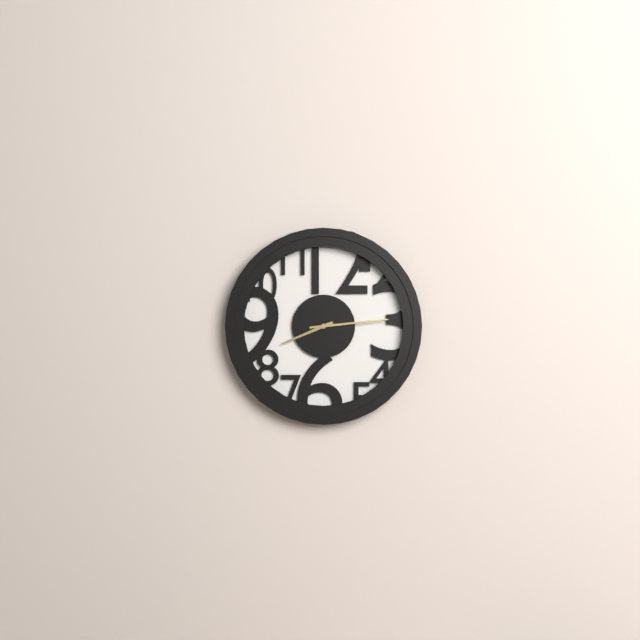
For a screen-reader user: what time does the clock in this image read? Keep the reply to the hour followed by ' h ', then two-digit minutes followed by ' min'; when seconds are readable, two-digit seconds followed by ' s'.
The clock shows 8 h 14 min
